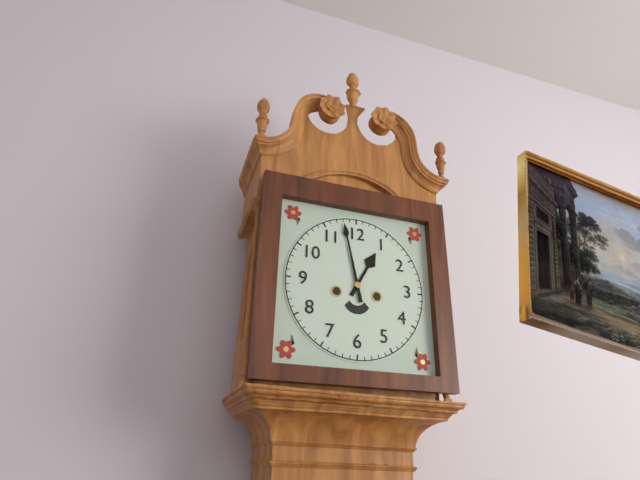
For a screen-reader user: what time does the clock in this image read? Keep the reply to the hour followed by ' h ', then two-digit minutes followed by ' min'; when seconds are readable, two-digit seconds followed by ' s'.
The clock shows 12 h 58 min
